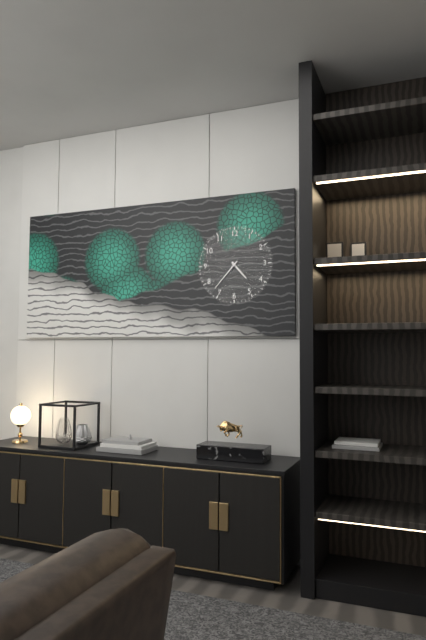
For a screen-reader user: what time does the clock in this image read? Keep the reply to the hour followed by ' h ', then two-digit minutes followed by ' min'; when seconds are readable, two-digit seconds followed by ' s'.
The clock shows 4 h 37 min
